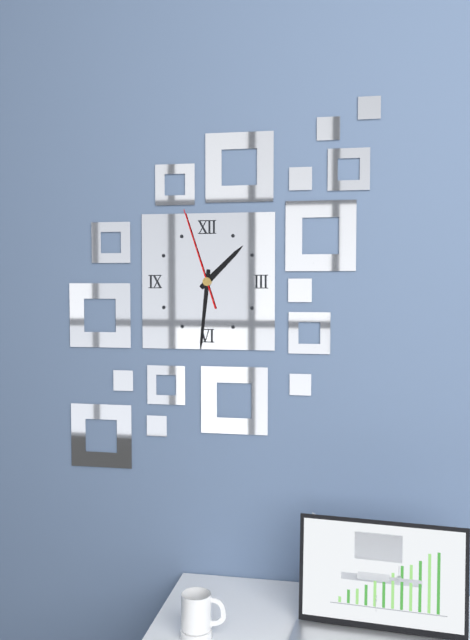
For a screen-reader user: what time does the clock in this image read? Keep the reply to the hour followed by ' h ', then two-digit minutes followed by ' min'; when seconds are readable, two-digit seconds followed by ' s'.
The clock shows 1 h 31 min 57 s
